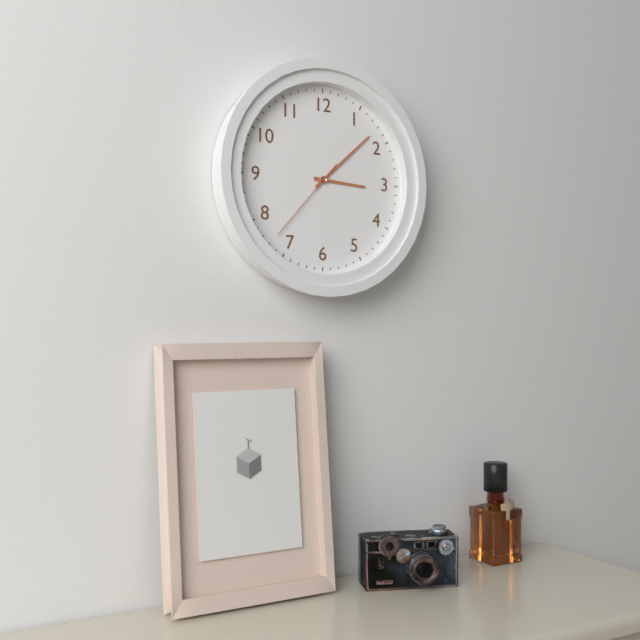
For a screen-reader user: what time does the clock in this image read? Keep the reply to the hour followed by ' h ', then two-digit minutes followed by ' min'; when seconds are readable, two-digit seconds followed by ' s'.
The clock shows 3 h 08 min 37 s
